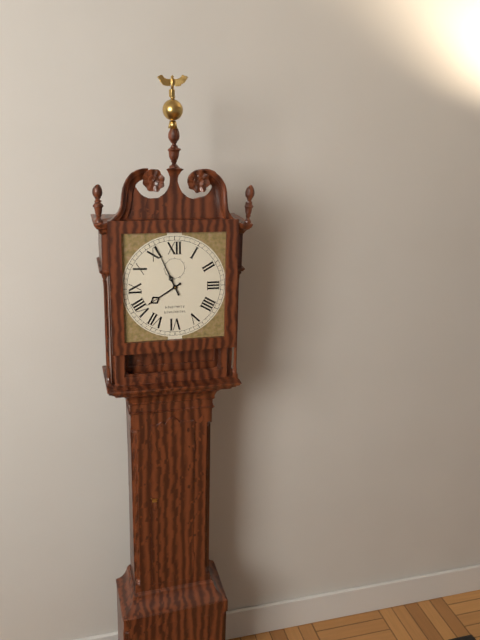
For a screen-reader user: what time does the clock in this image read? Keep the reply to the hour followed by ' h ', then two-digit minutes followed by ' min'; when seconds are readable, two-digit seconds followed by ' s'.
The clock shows 7 h 56 min
